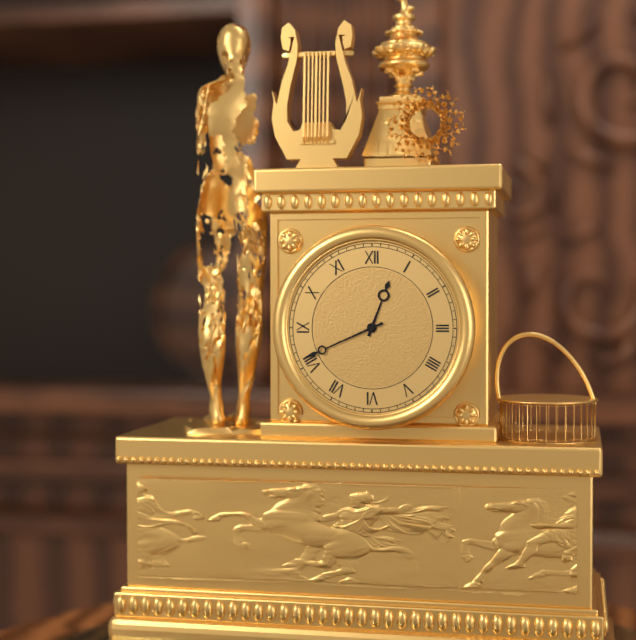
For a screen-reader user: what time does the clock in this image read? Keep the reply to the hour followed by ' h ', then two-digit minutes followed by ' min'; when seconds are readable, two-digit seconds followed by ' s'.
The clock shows 12 h 41 min
